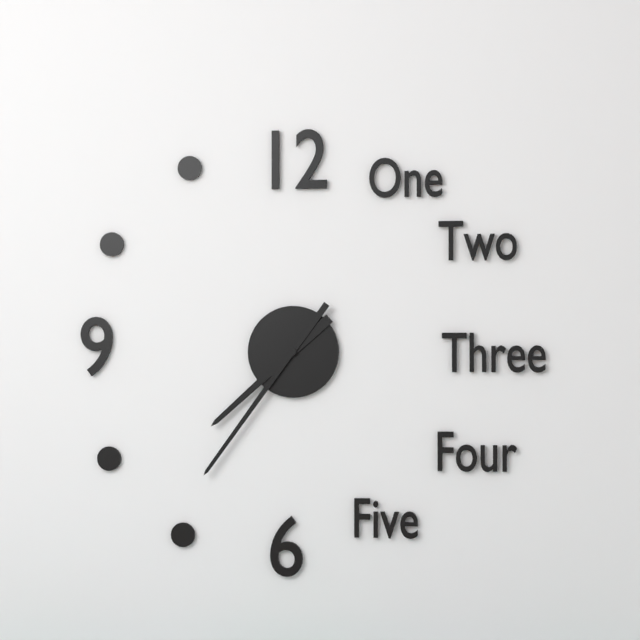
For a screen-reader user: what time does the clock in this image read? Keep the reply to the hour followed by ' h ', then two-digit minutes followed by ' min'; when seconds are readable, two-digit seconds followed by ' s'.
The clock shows 7 h 36 min
